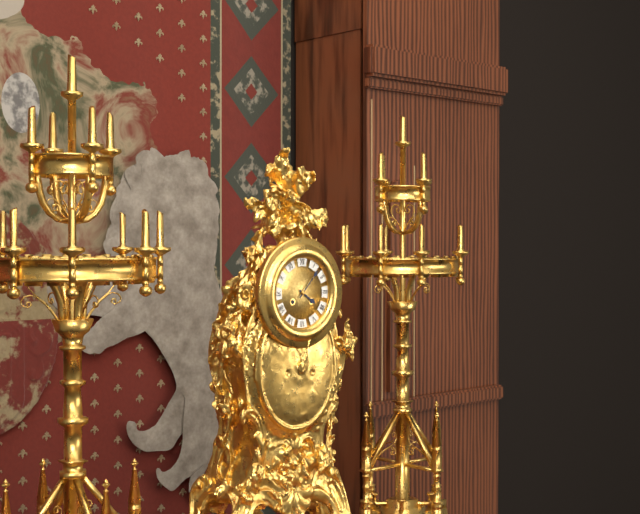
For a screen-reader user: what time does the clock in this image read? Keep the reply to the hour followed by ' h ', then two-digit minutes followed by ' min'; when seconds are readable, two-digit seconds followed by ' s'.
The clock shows 4 h 07 min
